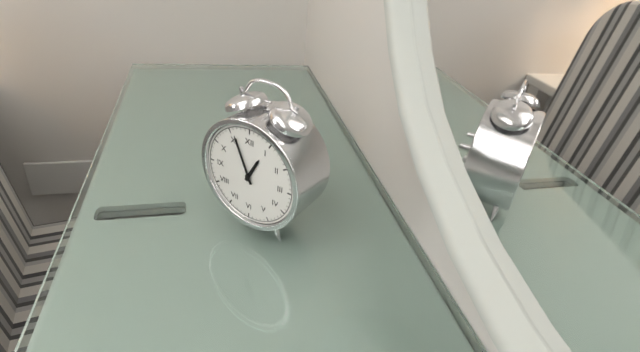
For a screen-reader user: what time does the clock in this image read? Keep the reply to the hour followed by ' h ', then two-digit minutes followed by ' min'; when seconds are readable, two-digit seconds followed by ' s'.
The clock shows 12 h 56 min
